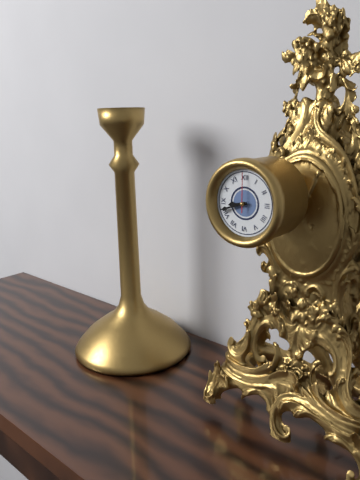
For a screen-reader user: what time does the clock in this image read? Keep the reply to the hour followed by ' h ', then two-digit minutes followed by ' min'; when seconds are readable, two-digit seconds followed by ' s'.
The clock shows 8 h 42 min
